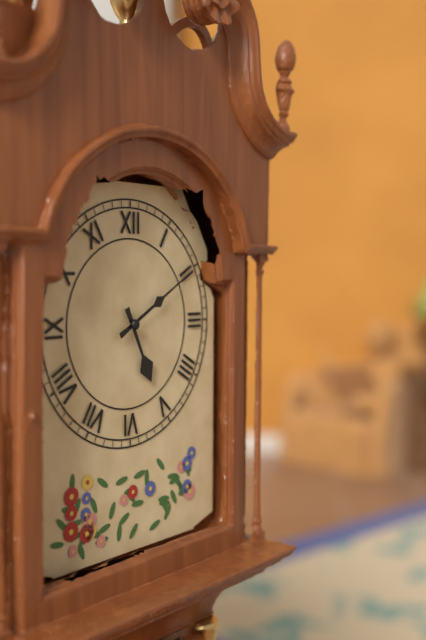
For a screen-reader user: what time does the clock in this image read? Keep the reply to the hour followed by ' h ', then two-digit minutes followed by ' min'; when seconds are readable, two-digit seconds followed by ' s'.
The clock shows 5 h 10 min
